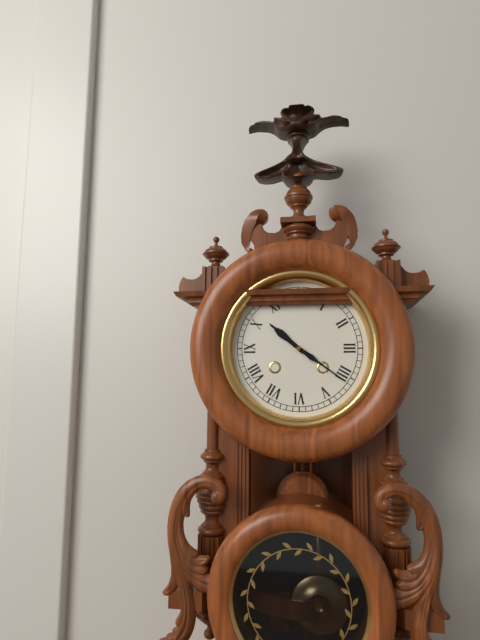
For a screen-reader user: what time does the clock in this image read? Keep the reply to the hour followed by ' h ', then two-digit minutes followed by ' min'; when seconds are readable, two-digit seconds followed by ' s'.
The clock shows 10 h 21 min
